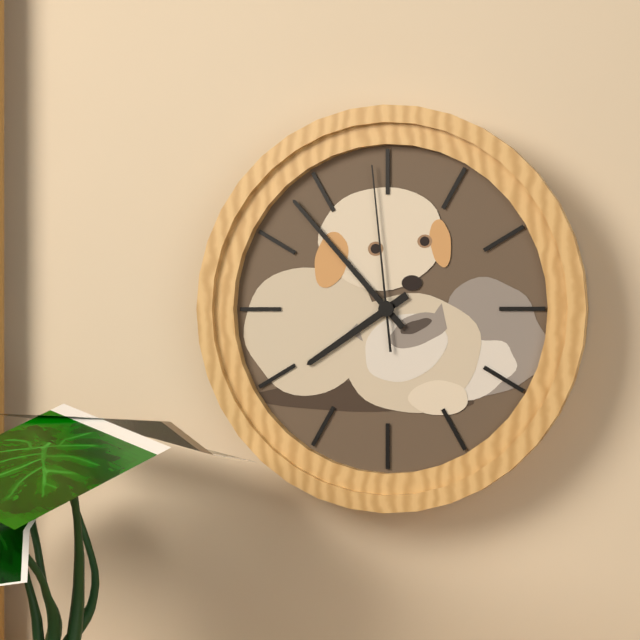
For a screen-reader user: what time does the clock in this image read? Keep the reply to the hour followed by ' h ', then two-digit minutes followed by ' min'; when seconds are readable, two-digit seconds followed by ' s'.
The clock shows 7 h 53 min 59 s
